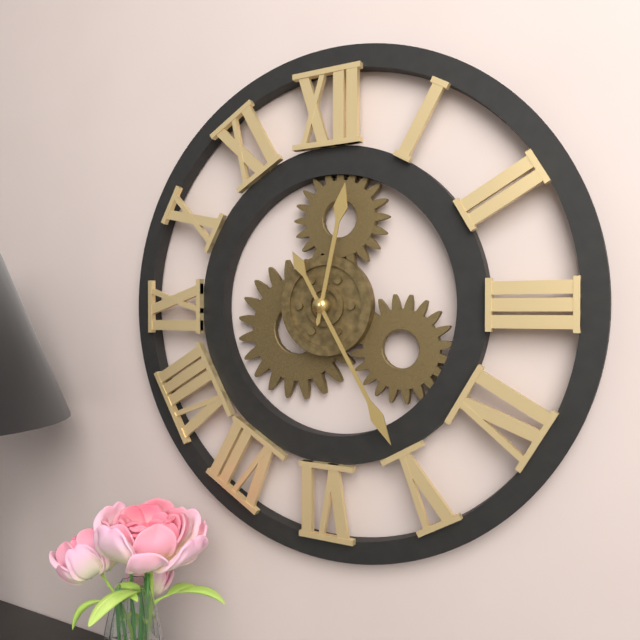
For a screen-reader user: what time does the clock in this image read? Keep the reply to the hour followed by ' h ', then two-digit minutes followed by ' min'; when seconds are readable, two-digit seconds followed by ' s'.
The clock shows 12 h 25 min
